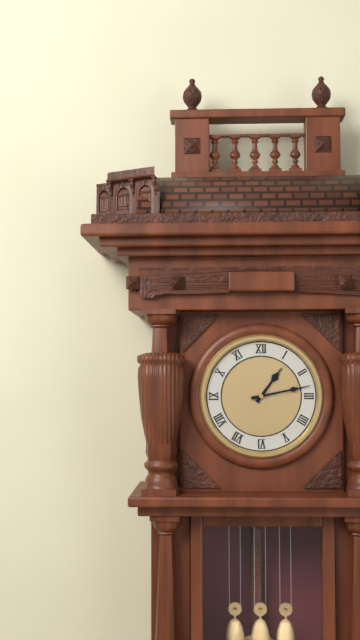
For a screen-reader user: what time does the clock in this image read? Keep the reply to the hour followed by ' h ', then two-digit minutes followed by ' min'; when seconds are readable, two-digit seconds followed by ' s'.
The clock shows 1 h 13 min
